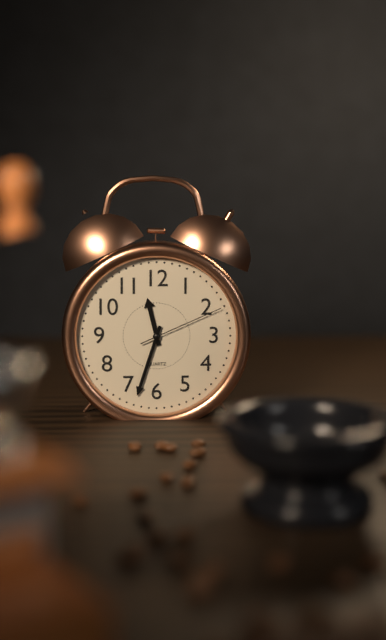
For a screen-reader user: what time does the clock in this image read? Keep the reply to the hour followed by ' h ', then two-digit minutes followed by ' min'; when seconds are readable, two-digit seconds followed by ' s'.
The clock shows 11 h 33 min 11 s
